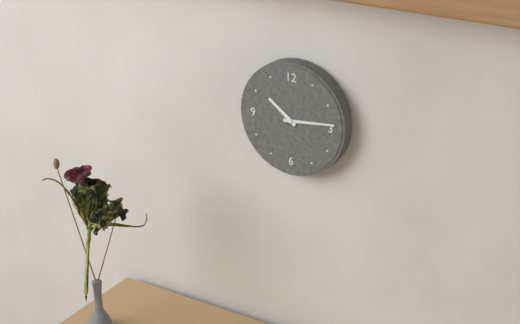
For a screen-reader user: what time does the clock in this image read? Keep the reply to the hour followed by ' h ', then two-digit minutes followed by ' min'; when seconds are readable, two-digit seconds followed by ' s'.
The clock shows 10 h 14 min
